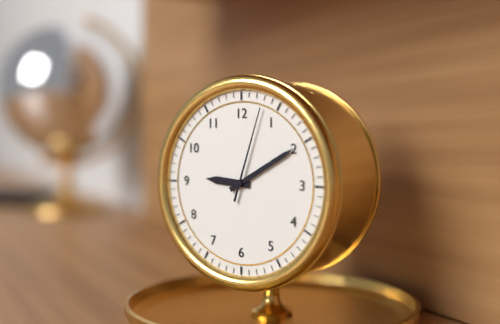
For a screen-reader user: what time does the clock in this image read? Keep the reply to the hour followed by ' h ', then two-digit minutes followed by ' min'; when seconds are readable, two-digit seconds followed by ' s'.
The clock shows 9 h 10 min 03 s
